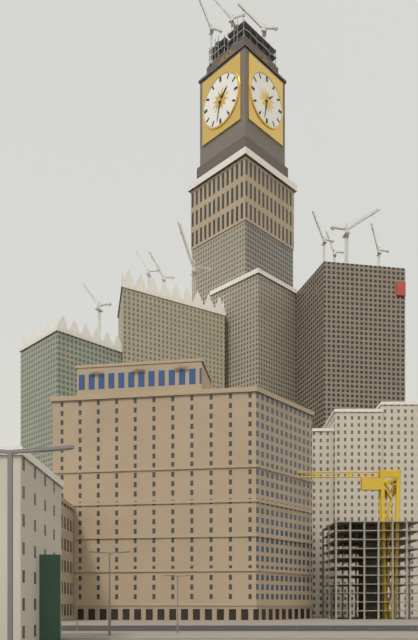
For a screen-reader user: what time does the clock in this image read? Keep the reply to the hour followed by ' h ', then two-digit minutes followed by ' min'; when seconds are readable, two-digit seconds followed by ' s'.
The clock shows 1 h 32 min
